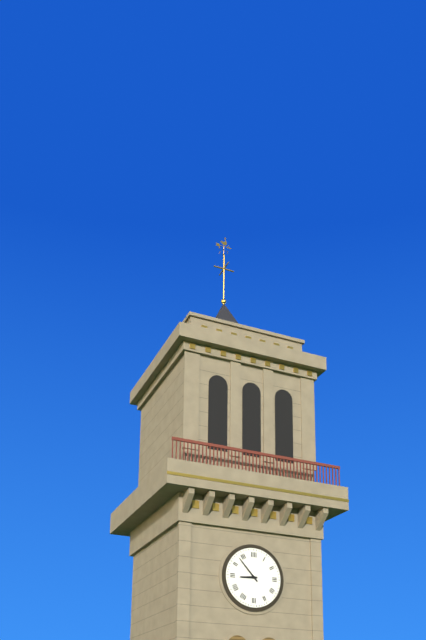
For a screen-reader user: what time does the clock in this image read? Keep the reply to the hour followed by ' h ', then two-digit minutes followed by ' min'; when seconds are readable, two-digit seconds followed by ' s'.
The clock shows 8 h 53 min
